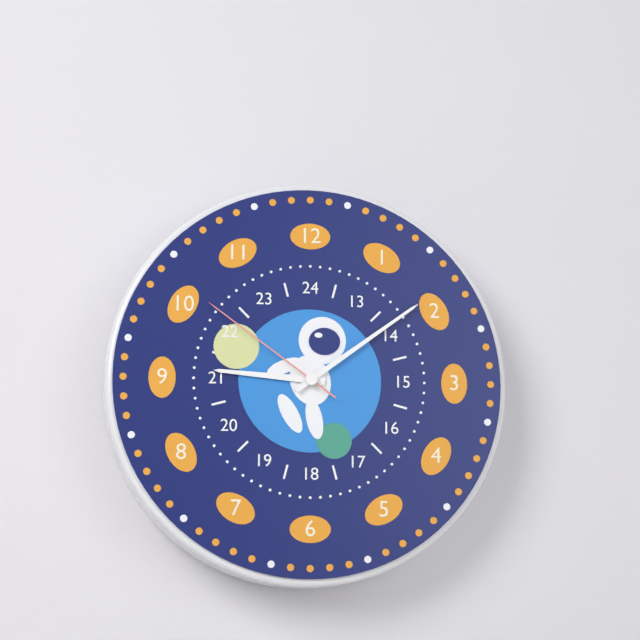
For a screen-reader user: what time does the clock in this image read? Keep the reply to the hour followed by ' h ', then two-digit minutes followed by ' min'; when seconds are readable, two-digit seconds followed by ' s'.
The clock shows 9 h 09 min 51 s
